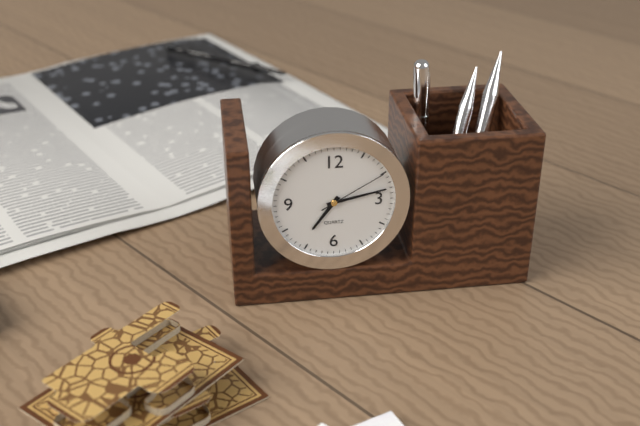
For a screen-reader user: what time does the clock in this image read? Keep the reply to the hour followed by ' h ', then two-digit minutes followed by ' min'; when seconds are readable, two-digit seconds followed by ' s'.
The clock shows 7 h 13 min 10 s
